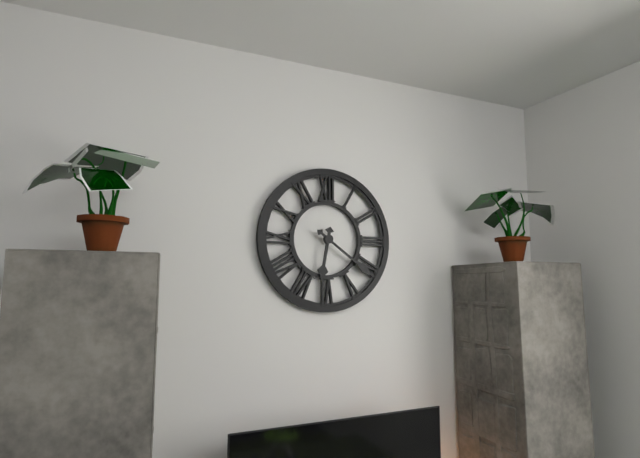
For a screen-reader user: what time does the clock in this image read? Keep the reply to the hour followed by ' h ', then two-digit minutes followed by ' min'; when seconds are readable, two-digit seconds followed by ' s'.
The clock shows 6 h 21 min
